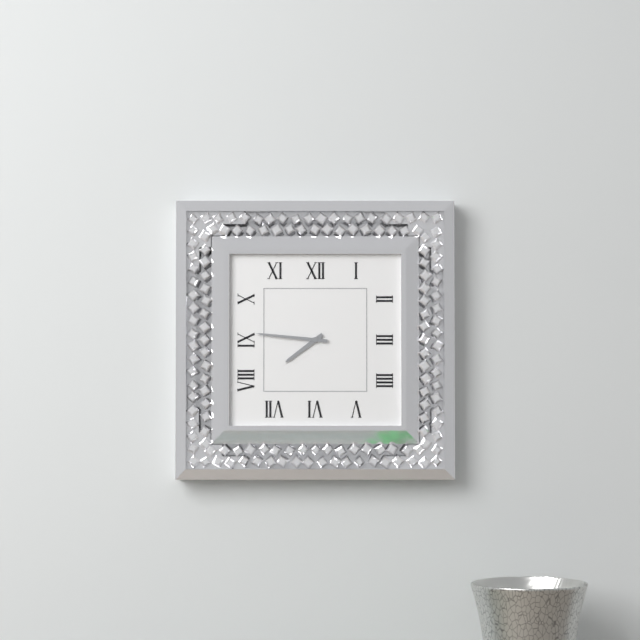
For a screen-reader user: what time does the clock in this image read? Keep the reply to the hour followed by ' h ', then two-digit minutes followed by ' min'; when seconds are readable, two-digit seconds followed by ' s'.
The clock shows 7 h 46 min
